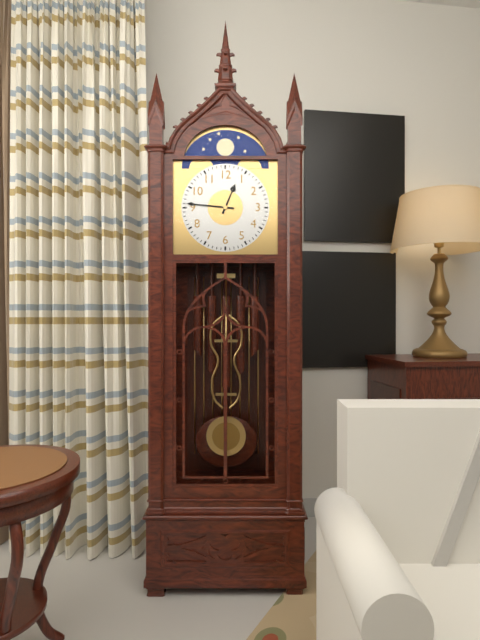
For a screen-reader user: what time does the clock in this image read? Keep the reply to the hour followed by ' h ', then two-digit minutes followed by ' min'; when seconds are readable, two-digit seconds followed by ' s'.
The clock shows 12 h 46 min
